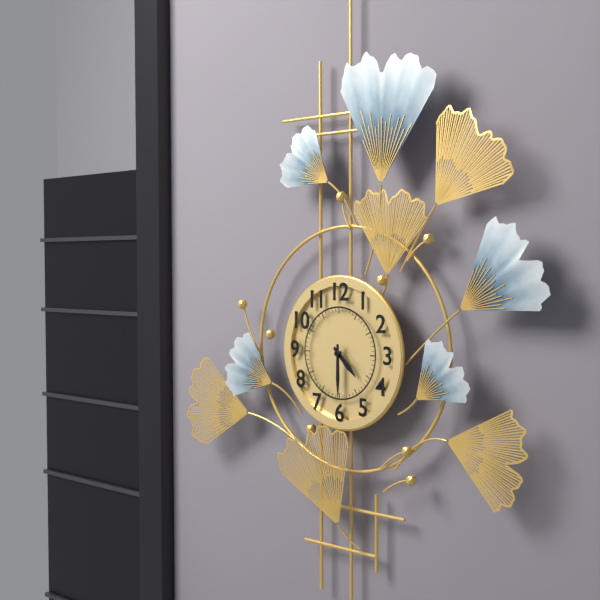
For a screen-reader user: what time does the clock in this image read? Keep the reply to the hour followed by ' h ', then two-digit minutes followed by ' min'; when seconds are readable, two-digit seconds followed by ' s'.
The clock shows 4 h 30 min
